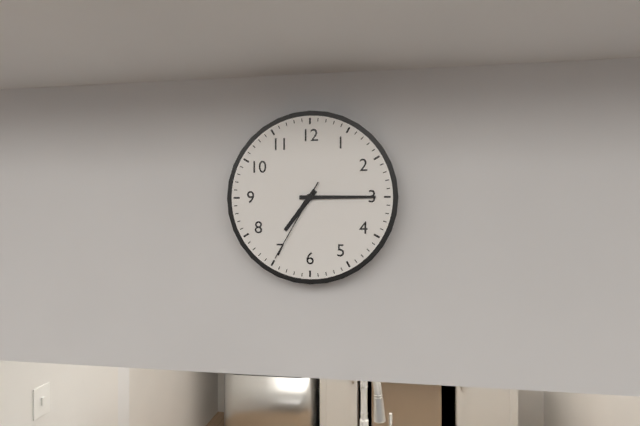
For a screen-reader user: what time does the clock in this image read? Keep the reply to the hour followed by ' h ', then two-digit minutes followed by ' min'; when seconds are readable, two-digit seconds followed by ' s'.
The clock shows 7 h 15 min 35 s
